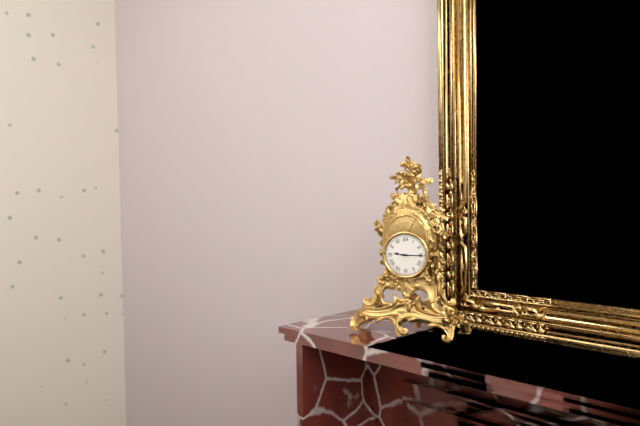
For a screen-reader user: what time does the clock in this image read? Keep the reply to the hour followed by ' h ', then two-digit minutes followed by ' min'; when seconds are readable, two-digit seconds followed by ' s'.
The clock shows 9 h 15 min
